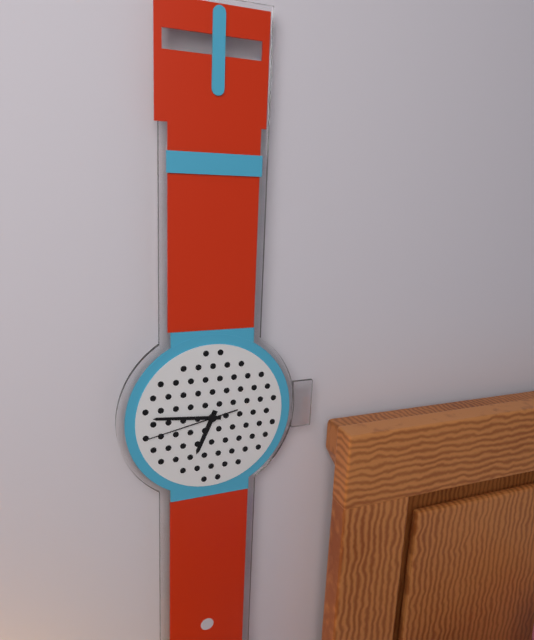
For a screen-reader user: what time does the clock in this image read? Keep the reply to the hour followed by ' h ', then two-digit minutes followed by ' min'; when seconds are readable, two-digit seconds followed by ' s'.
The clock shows 6 h 46 min 43 s
